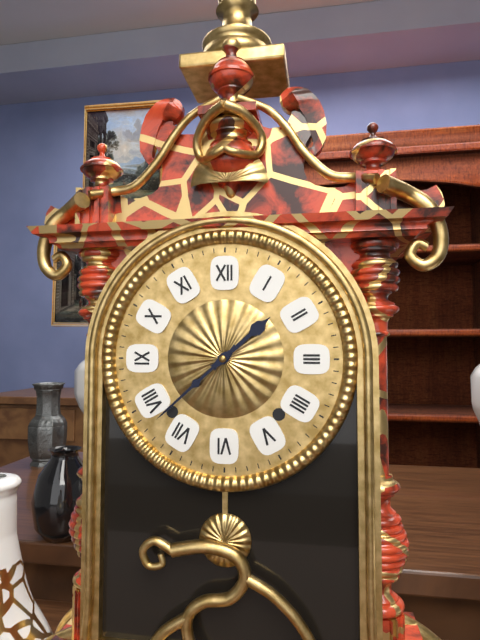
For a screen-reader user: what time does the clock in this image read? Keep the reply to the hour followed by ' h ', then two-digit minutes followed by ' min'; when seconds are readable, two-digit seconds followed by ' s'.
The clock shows 1 h 38 min
